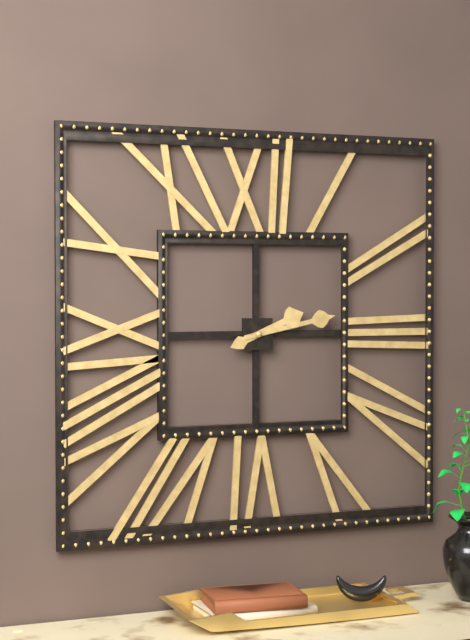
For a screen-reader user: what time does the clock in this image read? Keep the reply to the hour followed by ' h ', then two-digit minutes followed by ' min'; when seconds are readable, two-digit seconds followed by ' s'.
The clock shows 2 h 13 min
